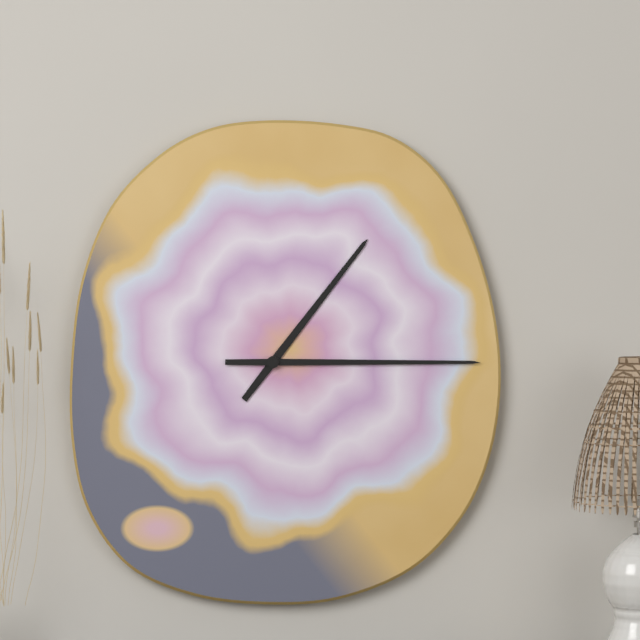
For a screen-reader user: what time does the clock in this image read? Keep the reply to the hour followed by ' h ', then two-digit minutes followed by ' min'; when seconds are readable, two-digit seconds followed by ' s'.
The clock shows 1 h 15 min
